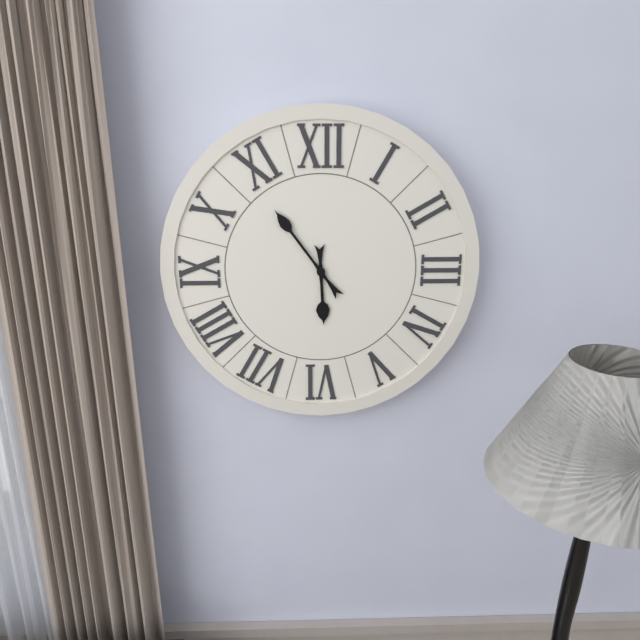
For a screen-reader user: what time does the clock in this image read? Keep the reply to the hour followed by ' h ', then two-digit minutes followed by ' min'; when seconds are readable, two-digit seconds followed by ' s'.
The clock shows 5 h 54 min
